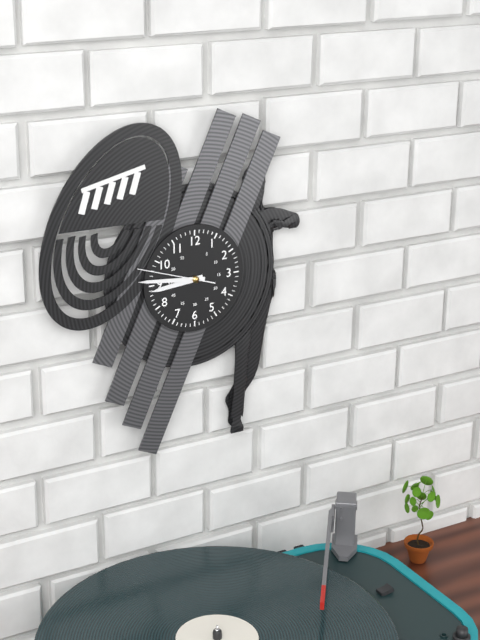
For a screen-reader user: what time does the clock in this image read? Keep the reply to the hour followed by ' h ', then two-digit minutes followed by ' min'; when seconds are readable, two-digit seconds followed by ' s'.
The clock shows 8 h 46 min 48 s
